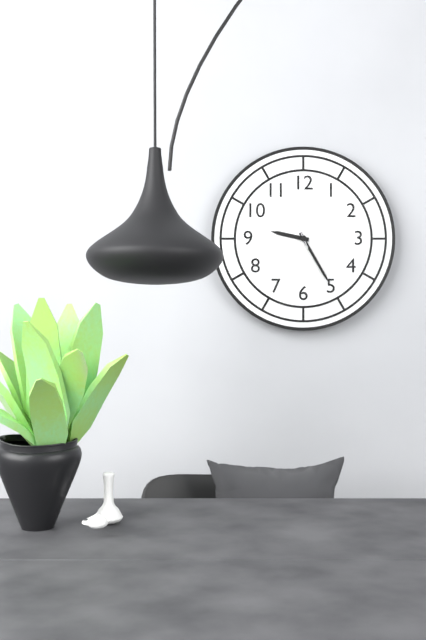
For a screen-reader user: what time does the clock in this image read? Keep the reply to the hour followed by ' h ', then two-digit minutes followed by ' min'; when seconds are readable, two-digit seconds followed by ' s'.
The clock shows 9 h 25 min 56 s
